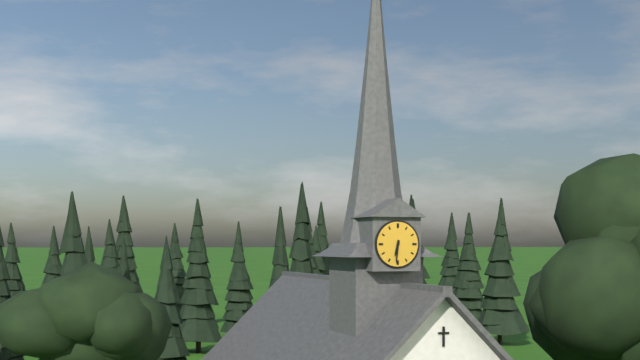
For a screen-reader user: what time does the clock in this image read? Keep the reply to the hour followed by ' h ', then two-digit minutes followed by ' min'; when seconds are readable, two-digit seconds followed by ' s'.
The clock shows 6 h 31 min
